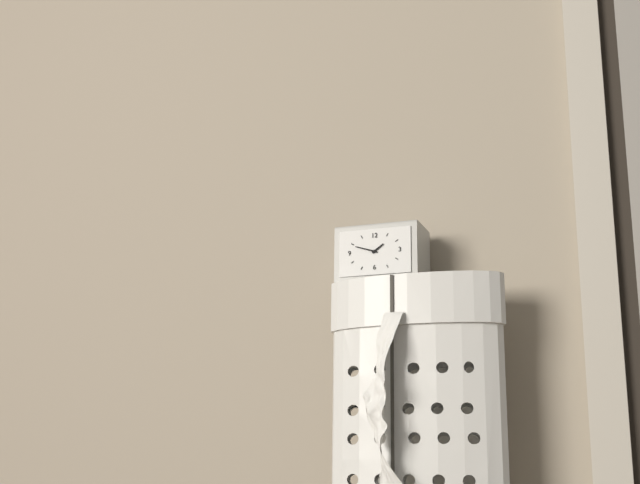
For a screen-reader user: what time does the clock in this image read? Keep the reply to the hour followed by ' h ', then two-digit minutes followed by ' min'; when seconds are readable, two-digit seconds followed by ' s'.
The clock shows 1 h 48 min
